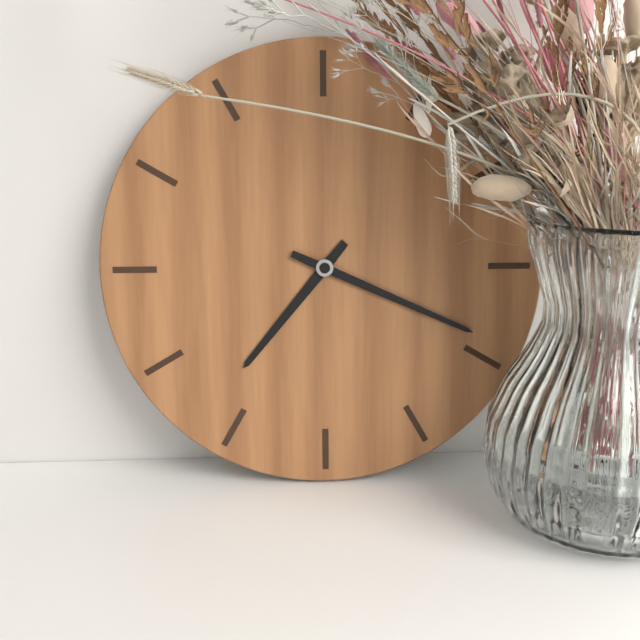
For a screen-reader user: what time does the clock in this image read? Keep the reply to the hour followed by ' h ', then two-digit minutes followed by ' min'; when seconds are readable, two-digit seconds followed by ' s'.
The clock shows 7 h 19 min
